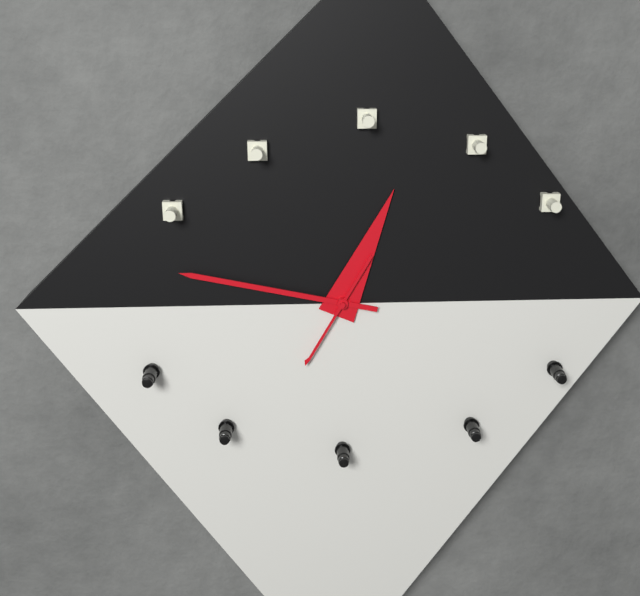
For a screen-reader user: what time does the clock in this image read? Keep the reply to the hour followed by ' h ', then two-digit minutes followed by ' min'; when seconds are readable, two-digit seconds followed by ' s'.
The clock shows 12 h 47 min 35 s
